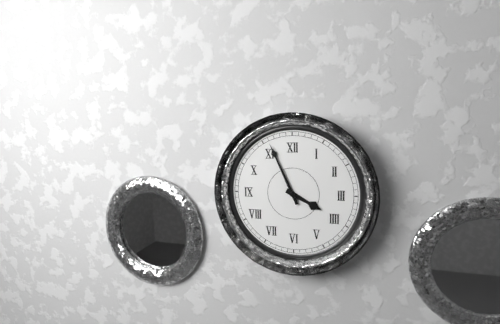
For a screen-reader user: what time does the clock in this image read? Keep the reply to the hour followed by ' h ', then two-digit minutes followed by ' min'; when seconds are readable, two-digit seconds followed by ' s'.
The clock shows 3 h 56 min
